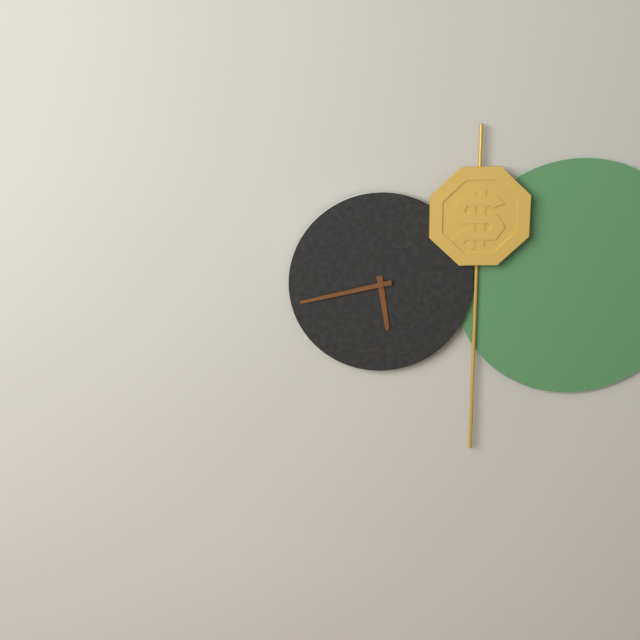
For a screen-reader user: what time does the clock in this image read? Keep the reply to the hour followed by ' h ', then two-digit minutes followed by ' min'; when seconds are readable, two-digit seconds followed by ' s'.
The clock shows 5 h 43 min
